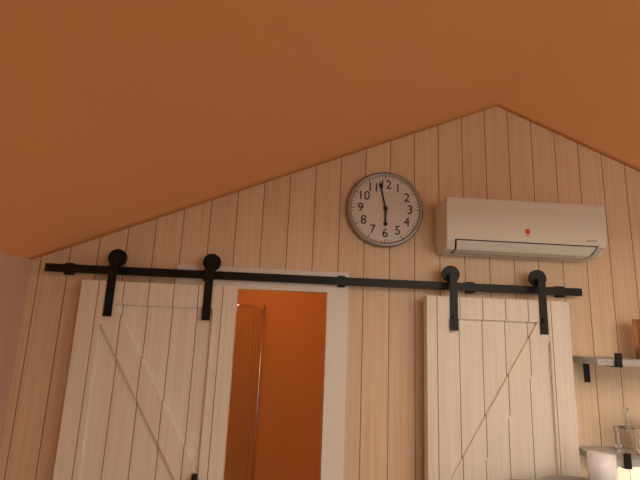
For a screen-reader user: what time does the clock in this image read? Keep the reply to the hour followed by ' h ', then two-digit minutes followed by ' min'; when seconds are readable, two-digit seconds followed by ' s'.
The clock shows 5 h 58 min
